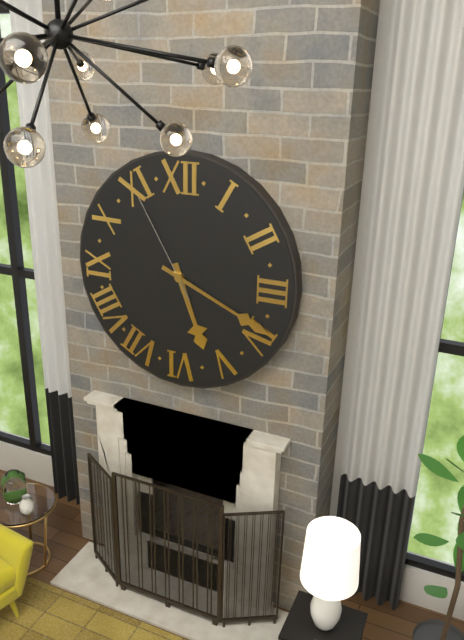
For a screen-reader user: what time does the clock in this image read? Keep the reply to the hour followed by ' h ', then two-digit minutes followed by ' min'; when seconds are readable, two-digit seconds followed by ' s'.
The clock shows 5 h 19 min 55 s
